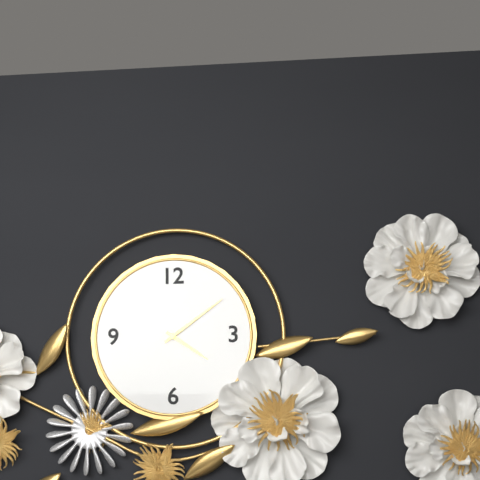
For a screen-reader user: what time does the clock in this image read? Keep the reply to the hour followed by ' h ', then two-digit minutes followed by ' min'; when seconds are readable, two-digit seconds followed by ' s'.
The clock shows 4 h 09 min
